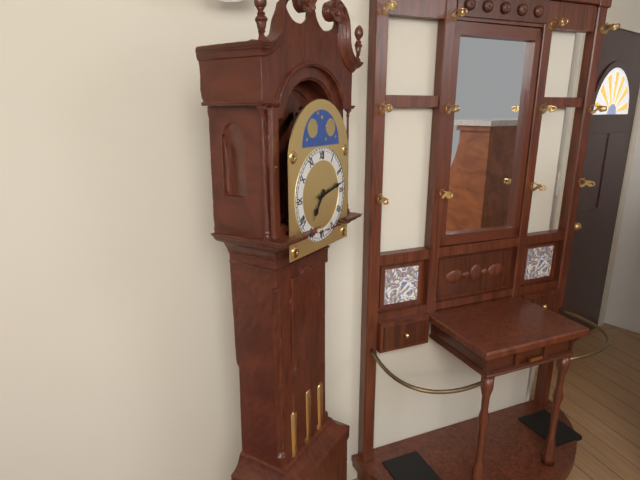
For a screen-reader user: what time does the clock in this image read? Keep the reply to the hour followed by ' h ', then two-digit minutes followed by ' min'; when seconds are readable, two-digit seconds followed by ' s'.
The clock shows 7 h 13 min
